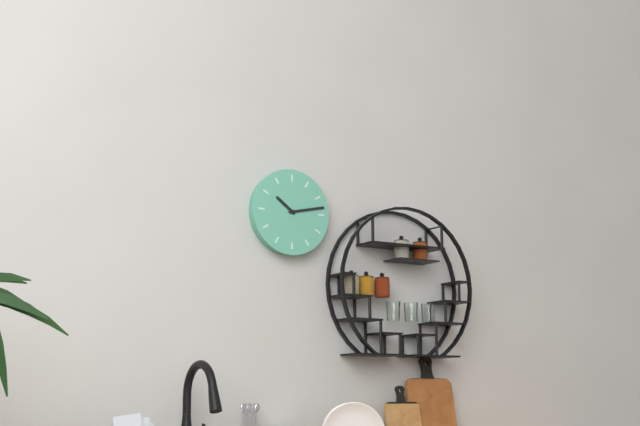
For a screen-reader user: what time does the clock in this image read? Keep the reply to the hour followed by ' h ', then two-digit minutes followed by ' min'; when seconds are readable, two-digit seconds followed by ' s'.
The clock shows 10 h 13 min
